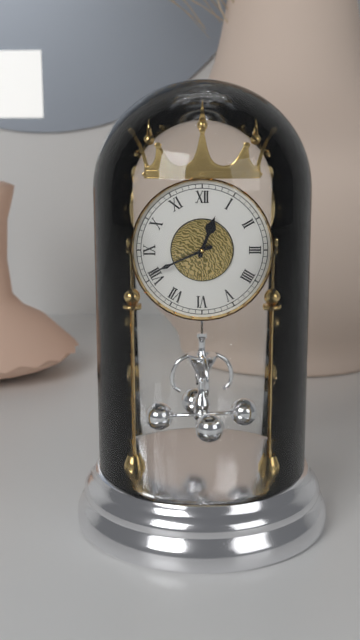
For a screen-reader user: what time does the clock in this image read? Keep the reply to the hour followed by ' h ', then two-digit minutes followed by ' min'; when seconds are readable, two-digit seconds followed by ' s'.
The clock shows 12 h 41 min
